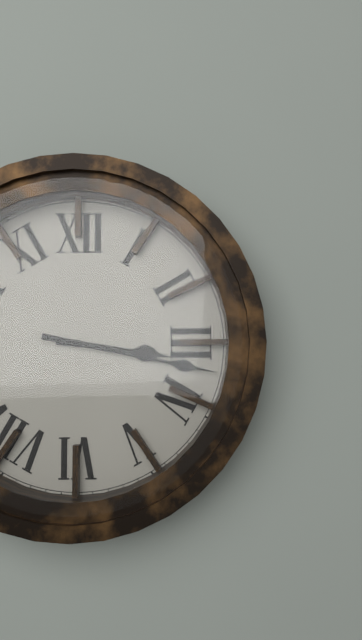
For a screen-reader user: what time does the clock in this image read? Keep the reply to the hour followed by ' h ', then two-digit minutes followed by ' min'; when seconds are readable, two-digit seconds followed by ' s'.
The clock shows 3 h 17 min
